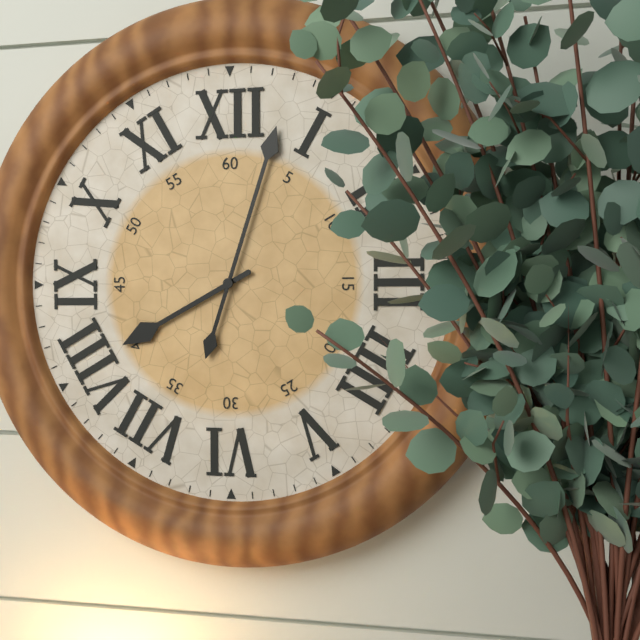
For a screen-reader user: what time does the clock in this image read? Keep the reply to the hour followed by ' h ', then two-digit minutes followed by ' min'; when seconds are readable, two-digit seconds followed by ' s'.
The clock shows 8 h 03 min
